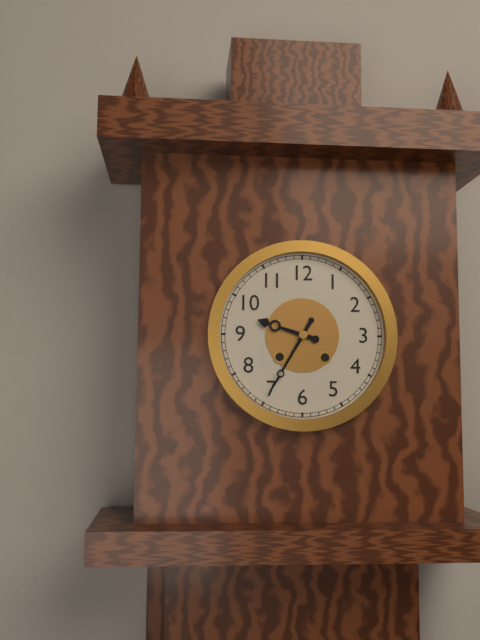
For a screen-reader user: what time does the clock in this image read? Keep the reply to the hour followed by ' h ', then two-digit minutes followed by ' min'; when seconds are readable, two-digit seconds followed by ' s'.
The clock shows 9 h 35 min
